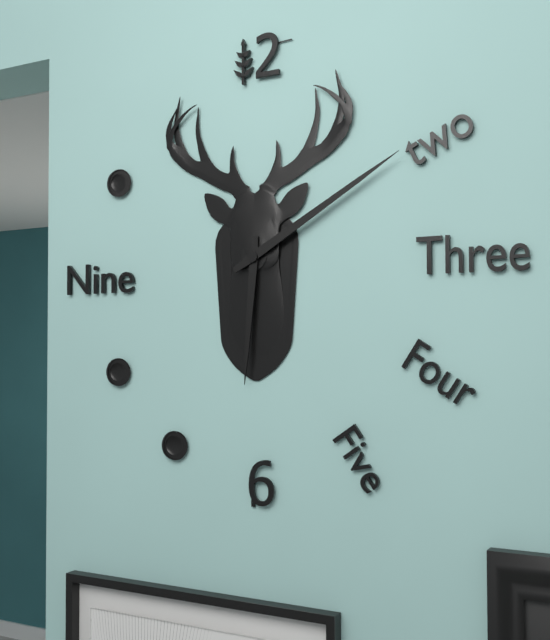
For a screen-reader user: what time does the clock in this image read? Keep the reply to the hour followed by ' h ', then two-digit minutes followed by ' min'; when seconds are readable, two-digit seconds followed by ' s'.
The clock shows 6 h 10 min
